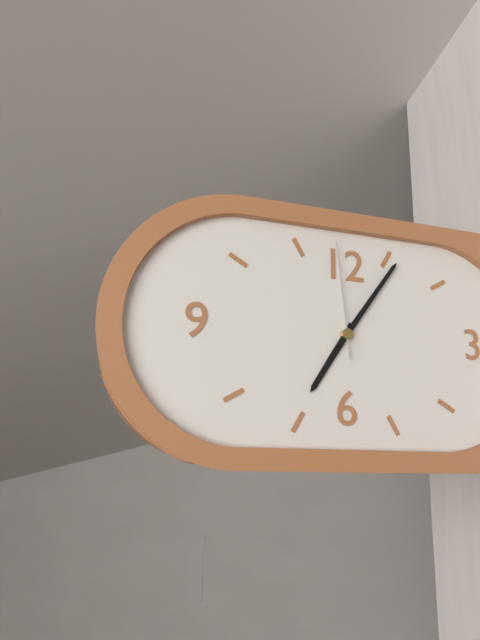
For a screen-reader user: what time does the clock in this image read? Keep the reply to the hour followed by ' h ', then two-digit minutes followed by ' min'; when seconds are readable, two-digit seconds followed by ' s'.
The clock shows 7 h 06 min 59 s
